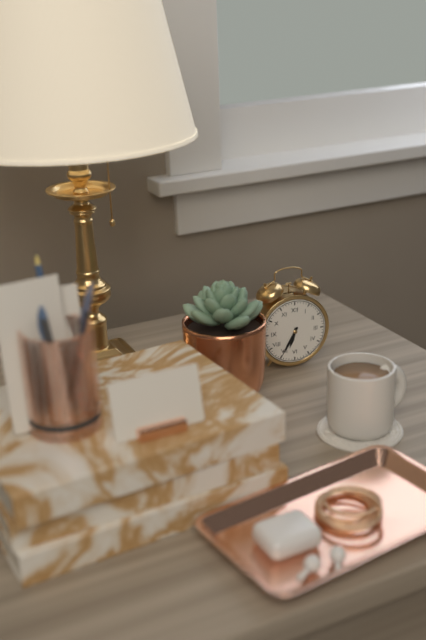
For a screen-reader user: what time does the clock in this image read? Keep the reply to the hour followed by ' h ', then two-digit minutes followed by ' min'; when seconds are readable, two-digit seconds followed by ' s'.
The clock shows 6 h 35 min
